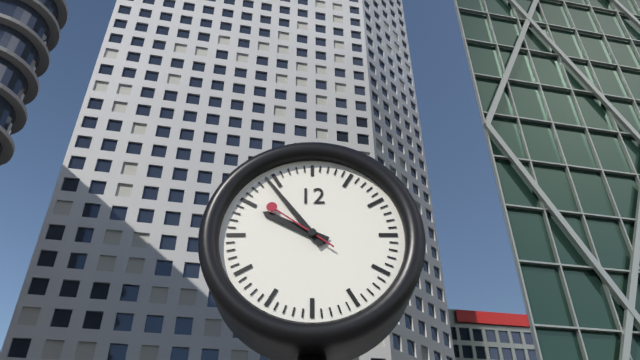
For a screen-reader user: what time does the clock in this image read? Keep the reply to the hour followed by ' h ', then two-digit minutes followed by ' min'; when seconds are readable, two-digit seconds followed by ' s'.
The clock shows 9 h 54 min 51 s
